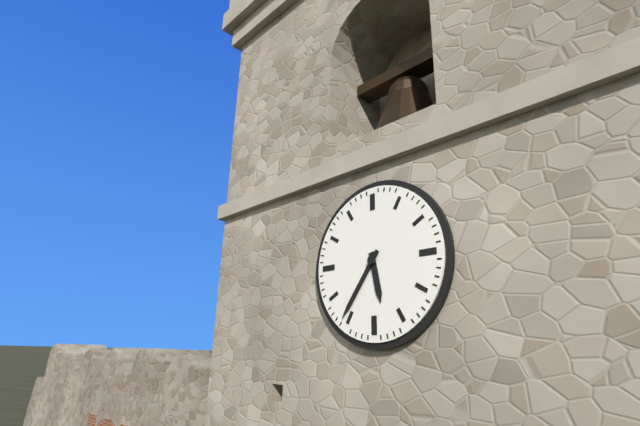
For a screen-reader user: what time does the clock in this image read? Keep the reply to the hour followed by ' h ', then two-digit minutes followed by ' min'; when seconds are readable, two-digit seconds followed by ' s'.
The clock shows 5 h 36 min
